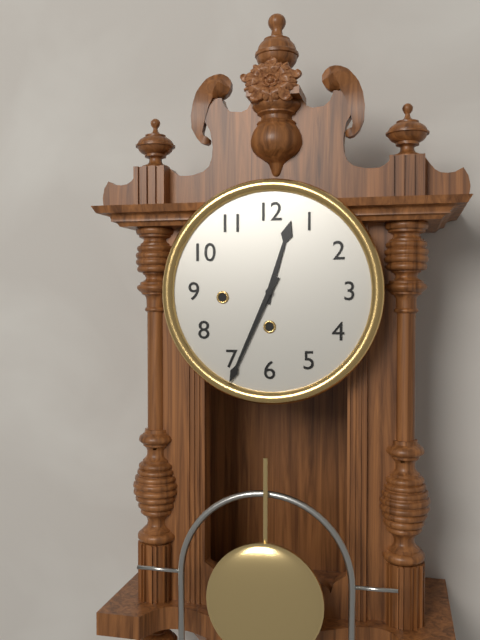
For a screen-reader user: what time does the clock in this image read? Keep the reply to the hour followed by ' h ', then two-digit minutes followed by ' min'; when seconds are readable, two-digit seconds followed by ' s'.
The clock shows 12 h 34 min
